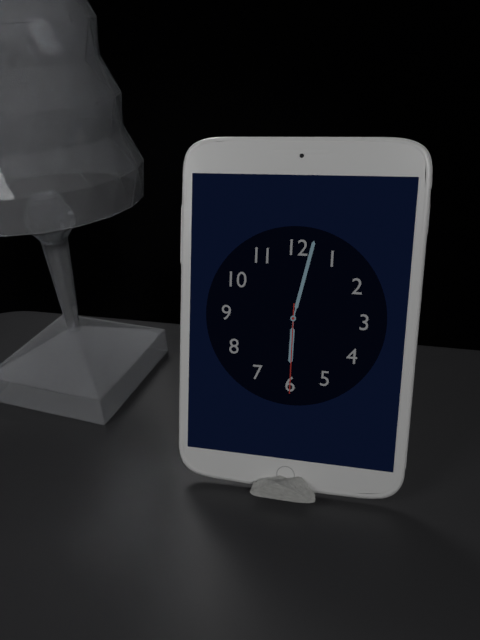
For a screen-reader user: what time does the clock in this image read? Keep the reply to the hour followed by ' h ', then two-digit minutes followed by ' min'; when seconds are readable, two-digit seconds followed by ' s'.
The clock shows 6 h 02 min 30 s
